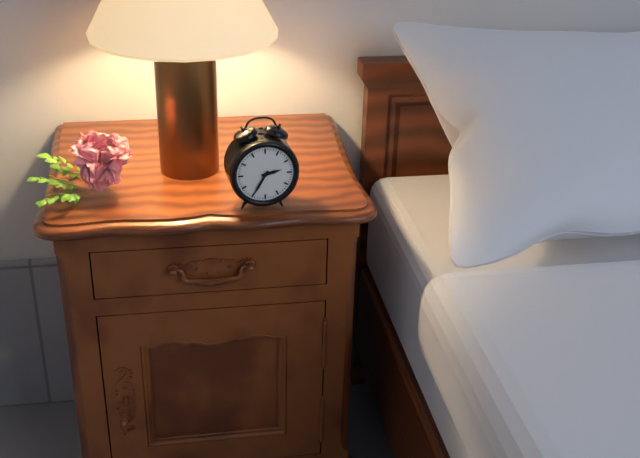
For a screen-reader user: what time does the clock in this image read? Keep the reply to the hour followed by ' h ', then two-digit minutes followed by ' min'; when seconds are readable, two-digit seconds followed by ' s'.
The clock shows 2 h 35 min
